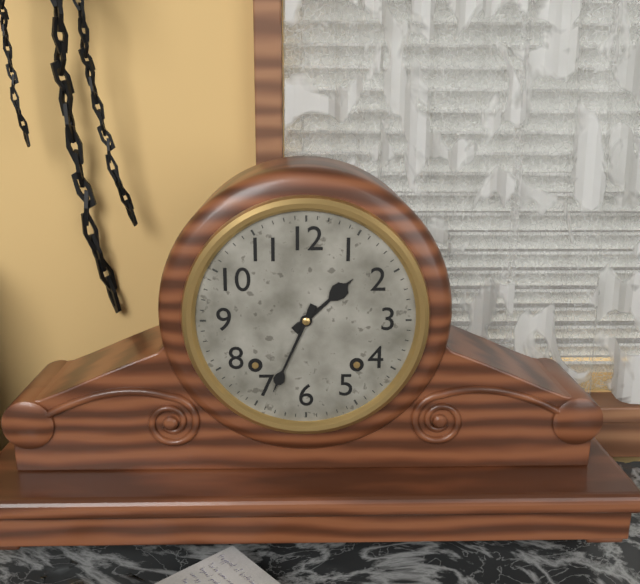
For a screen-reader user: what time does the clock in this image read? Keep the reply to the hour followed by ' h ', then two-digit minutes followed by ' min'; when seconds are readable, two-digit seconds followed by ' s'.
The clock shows 1 h 34 min
